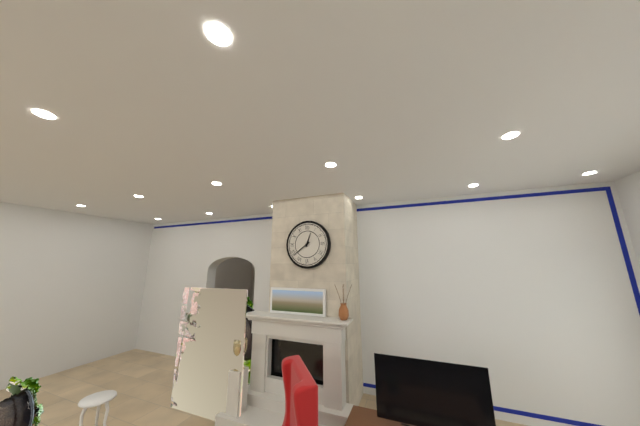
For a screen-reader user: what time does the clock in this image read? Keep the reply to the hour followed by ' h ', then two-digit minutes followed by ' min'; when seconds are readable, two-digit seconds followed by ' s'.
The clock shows 12 h 39 min
